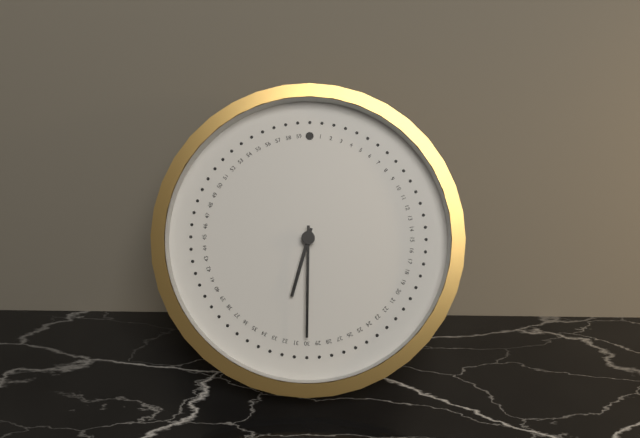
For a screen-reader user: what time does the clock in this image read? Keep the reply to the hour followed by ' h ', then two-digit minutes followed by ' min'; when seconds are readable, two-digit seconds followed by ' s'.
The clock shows 6 h 30 min
